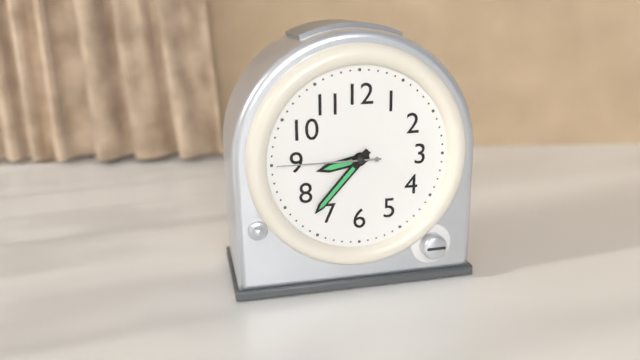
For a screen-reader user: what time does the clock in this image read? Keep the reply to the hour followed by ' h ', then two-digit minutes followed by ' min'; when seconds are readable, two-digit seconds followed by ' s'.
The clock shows 8 h 37 min 45 s
